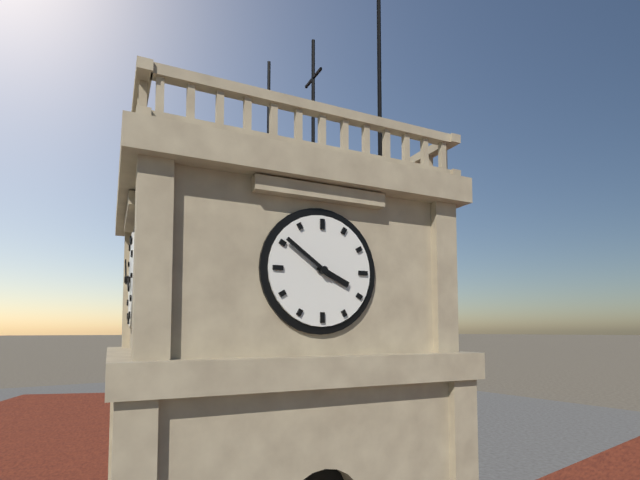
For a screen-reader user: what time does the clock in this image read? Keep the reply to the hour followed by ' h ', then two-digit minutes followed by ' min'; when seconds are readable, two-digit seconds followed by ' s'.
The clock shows 3 h 51 min
